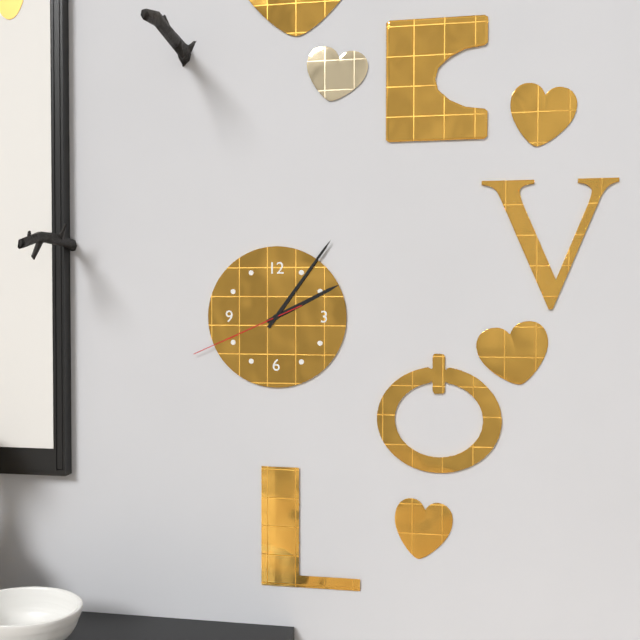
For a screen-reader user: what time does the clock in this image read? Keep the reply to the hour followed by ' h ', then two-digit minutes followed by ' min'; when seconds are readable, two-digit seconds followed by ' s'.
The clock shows 2 h 06 min 41 s
